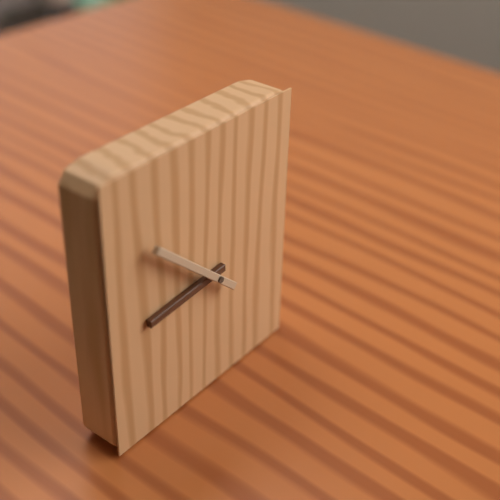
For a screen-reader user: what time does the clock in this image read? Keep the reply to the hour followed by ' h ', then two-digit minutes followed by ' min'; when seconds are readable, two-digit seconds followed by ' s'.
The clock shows 8 h 52 min
